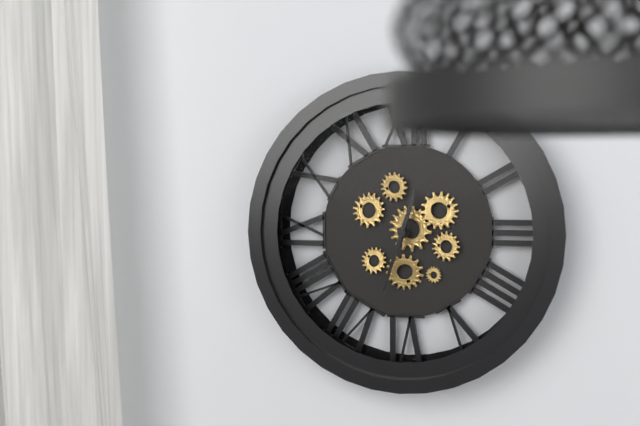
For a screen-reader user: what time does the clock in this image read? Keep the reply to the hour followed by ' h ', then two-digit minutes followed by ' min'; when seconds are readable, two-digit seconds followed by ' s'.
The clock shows 12 h 33 min
